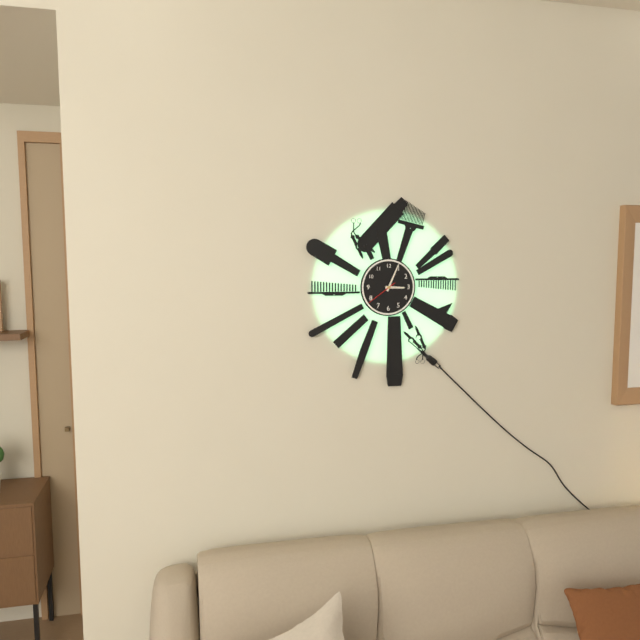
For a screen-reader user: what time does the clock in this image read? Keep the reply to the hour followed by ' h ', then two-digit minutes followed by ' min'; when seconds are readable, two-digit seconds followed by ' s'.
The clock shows 3 h 04 min
